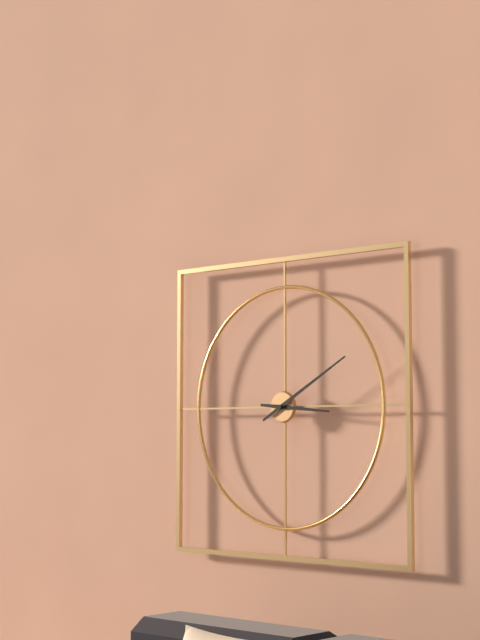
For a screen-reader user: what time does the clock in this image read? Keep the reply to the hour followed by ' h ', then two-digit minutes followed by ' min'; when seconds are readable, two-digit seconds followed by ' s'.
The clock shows 3 h 10 min
